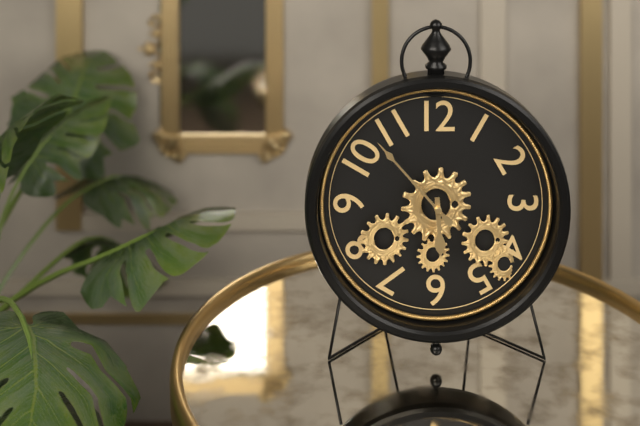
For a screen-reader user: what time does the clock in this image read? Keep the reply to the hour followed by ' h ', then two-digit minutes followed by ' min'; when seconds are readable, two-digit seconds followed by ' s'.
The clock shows 5 h 53 min
